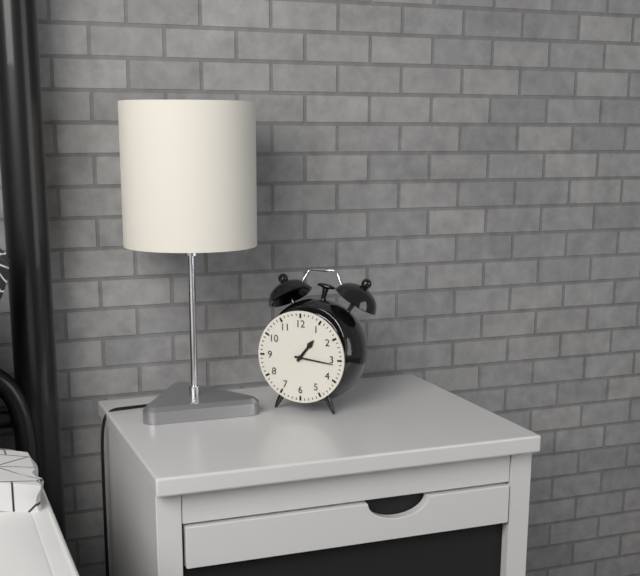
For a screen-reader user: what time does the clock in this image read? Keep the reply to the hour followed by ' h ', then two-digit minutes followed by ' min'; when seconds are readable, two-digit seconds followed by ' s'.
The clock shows 1 h 16 min
